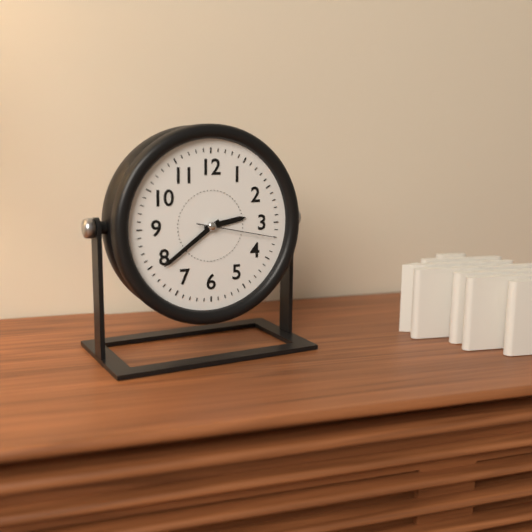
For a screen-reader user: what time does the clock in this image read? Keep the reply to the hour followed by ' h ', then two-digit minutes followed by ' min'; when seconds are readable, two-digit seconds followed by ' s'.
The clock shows 2 h 39 min 17 s
